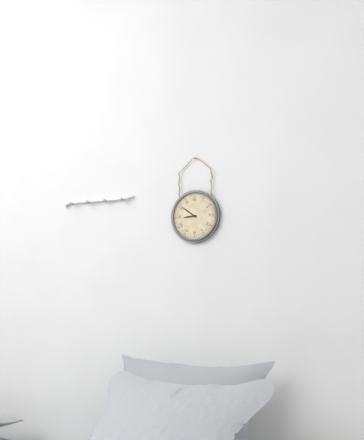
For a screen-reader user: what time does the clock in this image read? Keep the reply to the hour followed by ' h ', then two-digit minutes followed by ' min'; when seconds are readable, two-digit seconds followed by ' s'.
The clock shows 8 h 51 min
